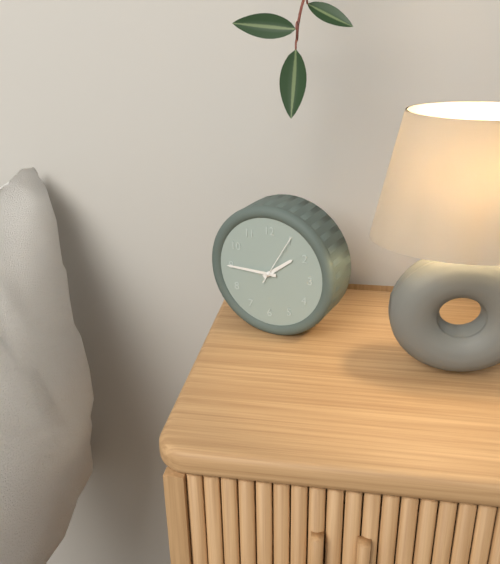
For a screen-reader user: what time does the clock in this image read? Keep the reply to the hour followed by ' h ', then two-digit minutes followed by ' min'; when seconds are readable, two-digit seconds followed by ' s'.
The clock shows 1 h 45 min
